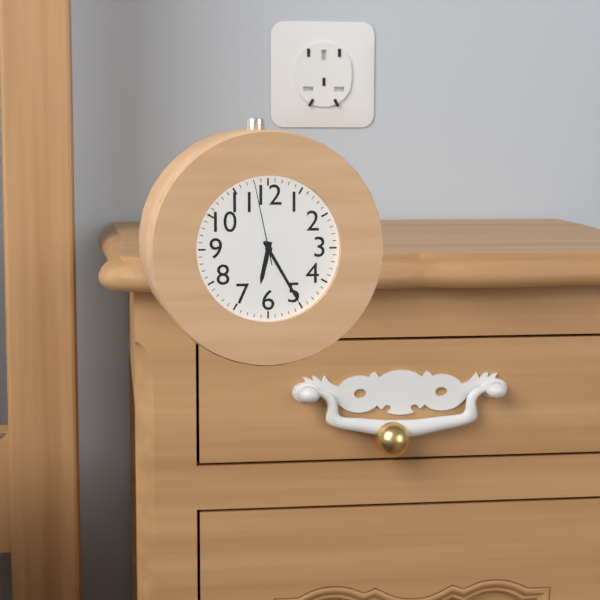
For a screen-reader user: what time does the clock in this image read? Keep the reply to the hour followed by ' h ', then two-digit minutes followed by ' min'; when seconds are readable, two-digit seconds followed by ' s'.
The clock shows 6 h 25 min 58 s
